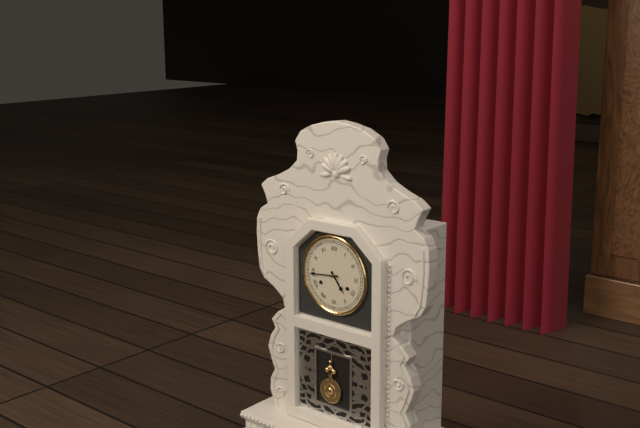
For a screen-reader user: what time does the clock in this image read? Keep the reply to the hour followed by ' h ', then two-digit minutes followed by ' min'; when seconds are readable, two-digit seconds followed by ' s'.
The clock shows 4 h 44 min
